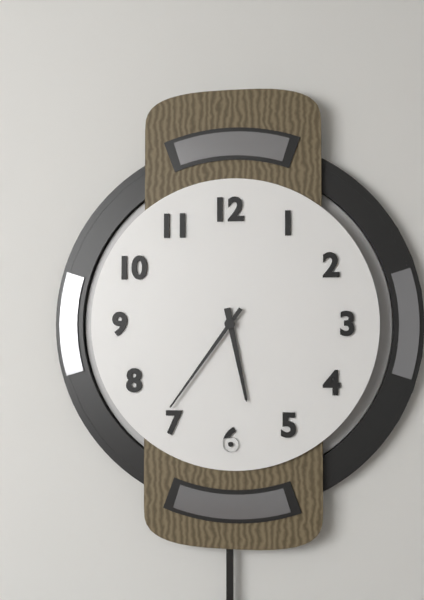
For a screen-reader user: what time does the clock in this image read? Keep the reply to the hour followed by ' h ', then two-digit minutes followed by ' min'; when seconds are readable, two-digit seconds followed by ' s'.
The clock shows 5 h 36 min
